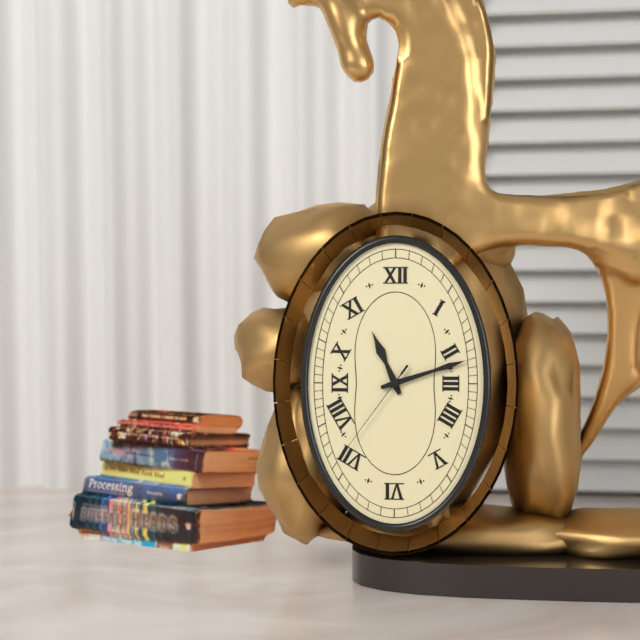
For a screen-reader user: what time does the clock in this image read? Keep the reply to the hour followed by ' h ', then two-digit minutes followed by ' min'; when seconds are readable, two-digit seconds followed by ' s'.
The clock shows 11 h 12 min 36 s
